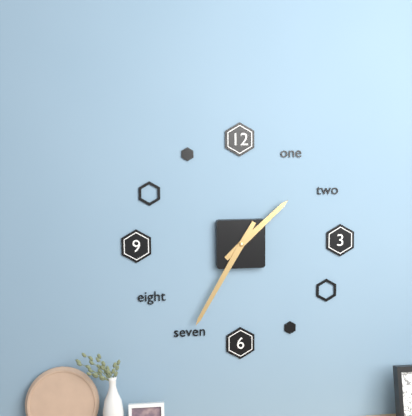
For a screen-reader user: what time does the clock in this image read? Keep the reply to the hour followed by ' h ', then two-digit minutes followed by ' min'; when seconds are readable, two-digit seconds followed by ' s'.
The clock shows 1 h 35 min
